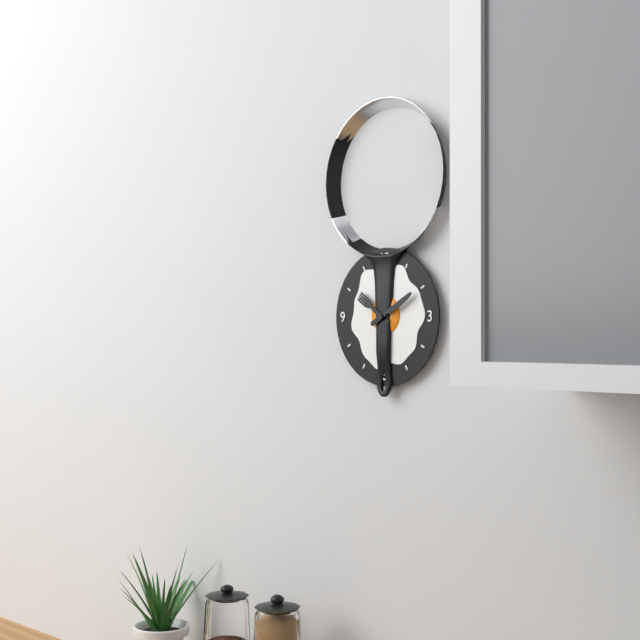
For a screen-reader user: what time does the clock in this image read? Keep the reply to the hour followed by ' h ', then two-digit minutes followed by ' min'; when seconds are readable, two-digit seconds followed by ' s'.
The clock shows 10 h 10 min
